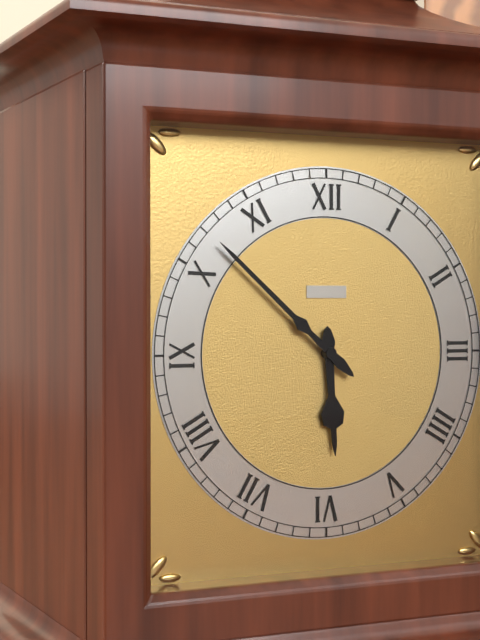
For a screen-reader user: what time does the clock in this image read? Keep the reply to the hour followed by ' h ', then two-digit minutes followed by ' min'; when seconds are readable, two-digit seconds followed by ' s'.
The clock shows 5 h 52 min
